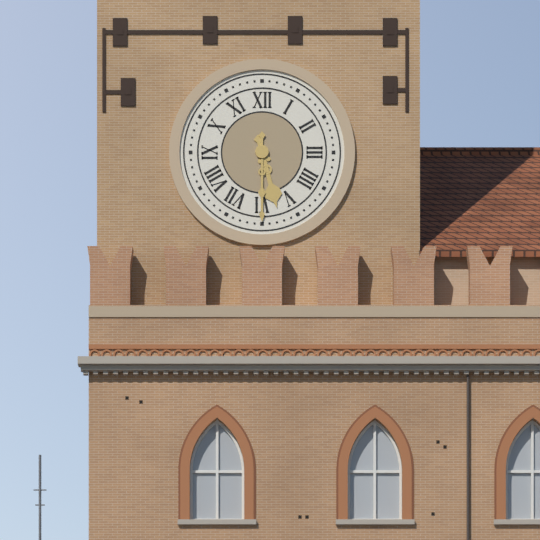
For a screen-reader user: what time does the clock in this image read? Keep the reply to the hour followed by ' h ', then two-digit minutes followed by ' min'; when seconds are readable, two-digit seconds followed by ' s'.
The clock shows 5 h 30 min
